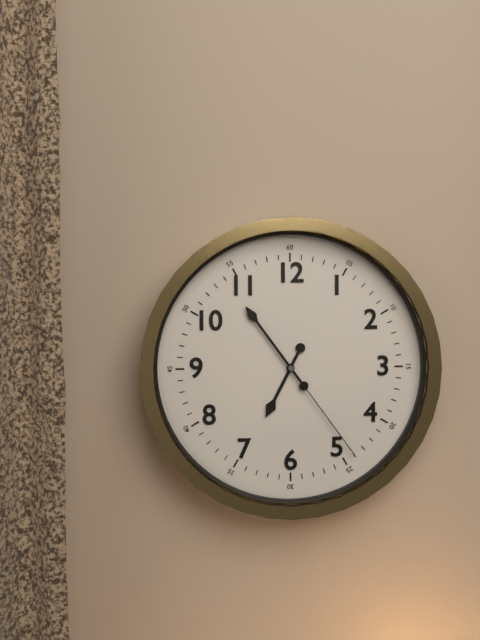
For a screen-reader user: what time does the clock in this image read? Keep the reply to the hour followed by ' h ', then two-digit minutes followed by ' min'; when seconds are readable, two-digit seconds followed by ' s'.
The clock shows 6 h 54 min 24 s
